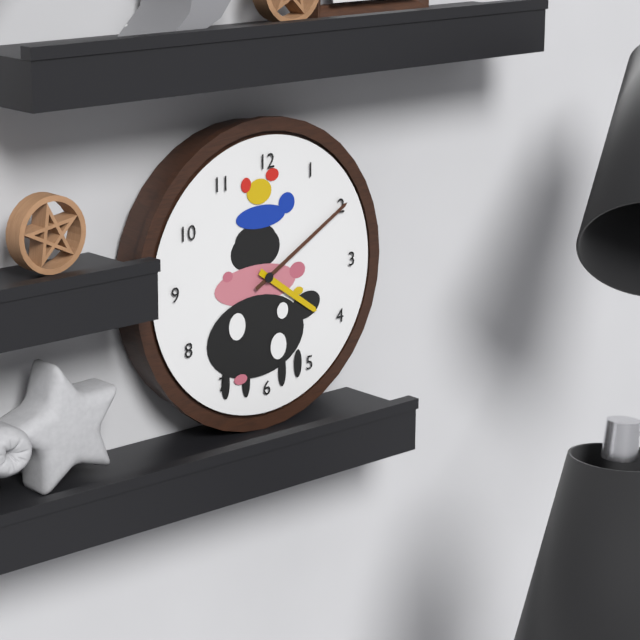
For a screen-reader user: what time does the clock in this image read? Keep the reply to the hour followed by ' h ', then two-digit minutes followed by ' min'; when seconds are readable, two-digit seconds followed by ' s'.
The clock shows 4 h 10 min
